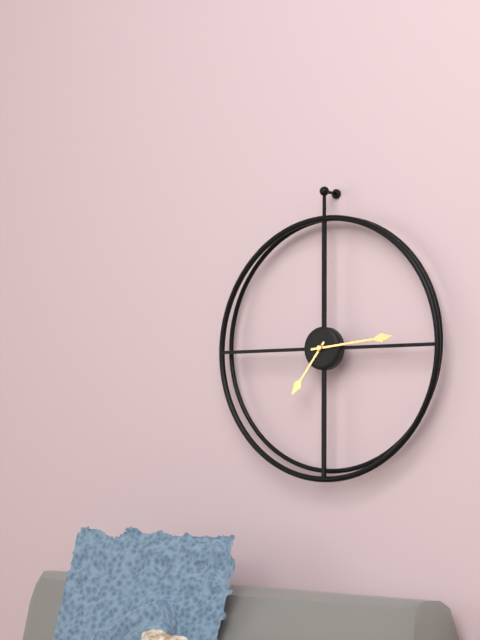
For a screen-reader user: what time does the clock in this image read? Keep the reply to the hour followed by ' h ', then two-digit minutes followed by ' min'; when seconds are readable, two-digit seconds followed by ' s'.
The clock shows 7 h 14 min
